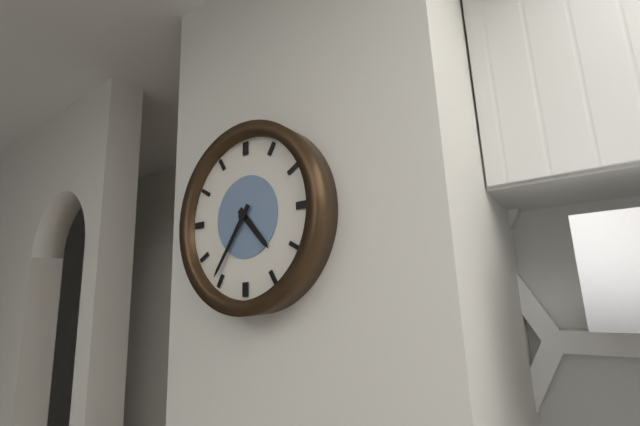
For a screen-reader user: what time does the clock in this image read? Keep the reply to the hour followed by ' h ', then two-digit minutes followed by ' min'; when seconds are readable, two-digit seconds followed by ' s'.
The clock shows 4 h 36 min
